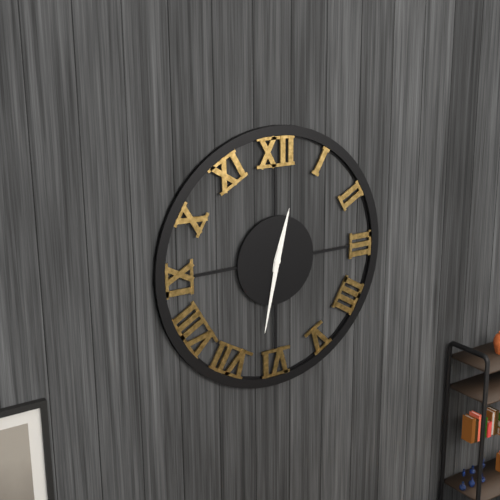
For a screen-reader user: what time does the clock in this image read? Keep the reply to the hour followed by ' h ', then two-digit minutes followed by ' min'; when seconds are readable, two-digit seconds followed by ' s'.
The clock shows 12 h 32 min
